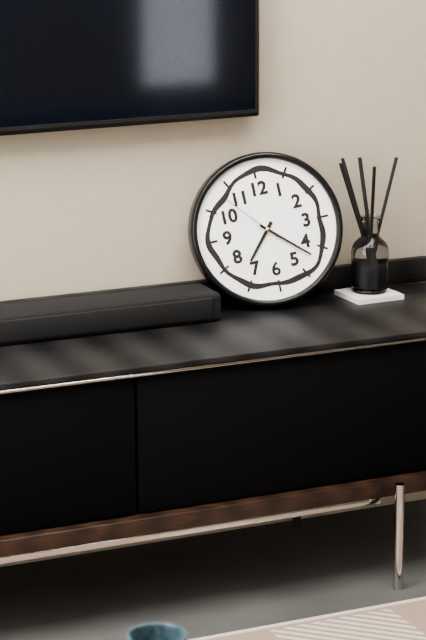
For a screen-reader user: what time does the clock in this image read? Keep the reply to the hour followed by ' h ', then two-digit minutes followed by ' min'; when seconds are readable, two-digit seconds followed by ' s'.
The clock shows 7 h 22 min 53 s
